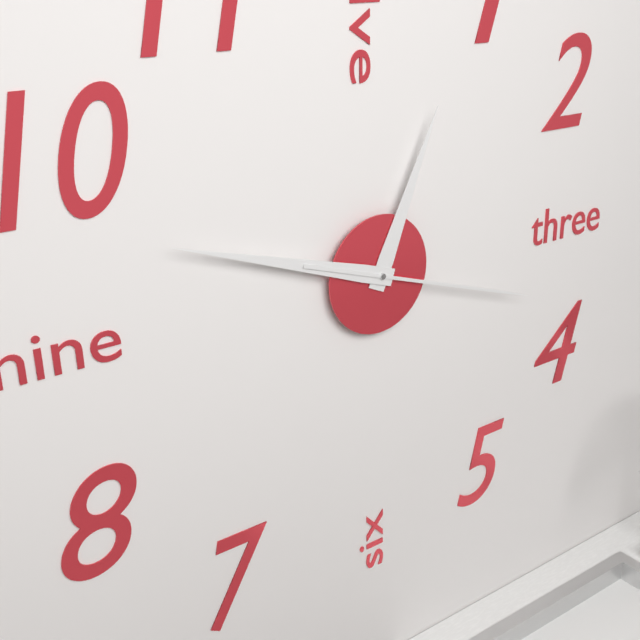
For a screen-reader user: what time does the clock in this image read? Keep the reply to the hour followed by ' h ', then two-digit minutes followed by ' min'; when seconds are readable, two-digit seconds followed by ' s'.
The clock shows 12 h 48 min 18 s
